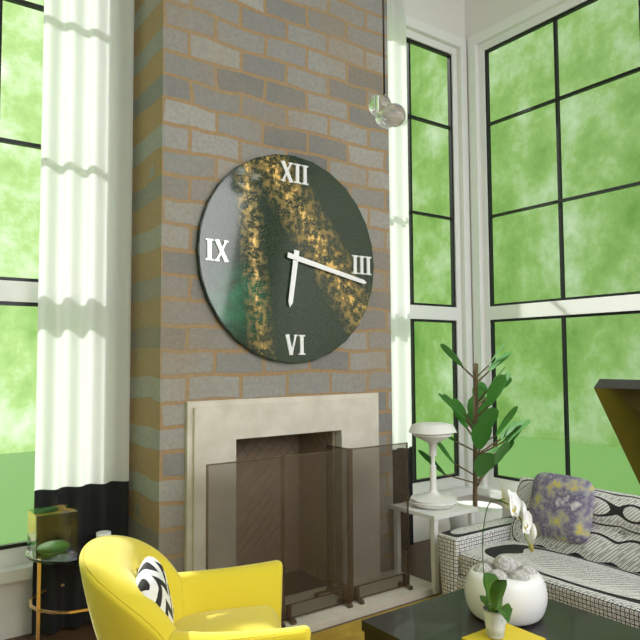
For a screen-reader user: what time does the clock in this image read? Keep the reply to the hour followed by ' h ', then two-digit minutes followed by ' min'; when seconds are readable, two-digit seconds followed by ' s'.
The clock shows 6 h 17 min
